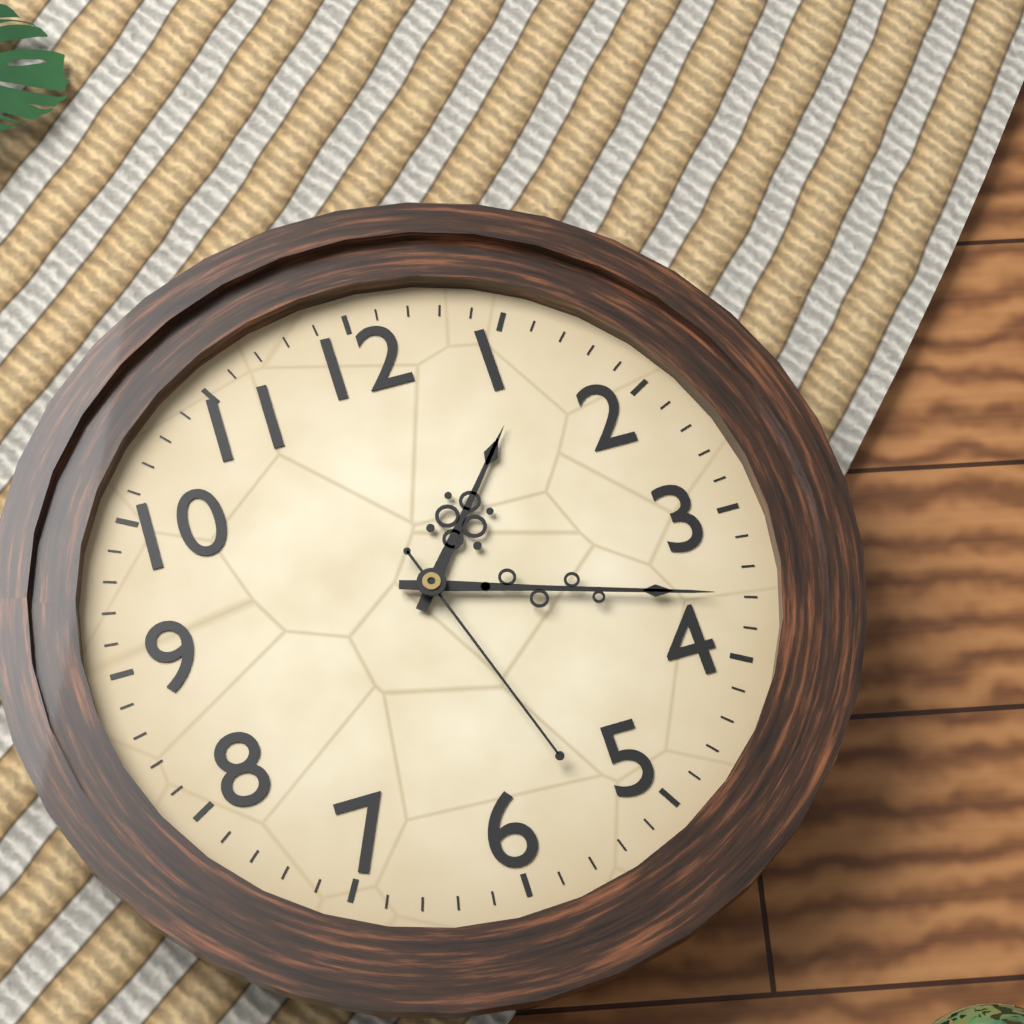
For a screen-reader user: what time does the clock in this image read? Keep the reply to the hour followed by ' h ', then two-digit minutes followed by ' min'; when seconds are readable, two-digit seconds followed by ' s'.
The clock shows 1 h 18 min 27 s
